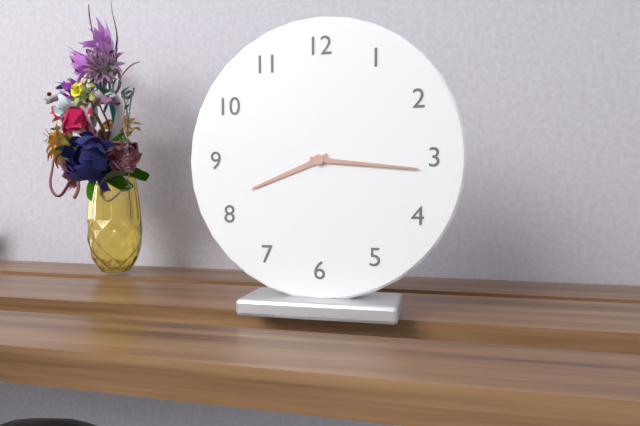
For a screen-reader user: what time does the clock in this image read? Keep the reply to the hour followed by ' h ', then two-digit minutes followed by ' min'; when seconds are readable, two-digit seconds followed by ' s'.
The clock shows 8 h 16 min
